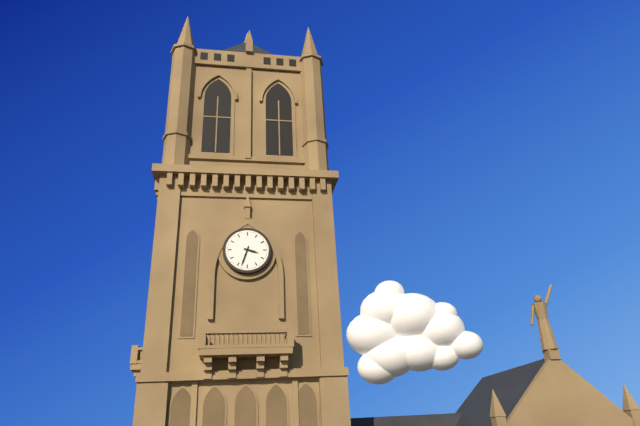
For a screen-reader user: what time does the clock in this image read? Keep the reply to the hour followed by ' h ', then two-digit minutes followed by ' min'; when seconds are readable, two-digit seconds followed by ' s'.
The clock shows 3 h 33 min
